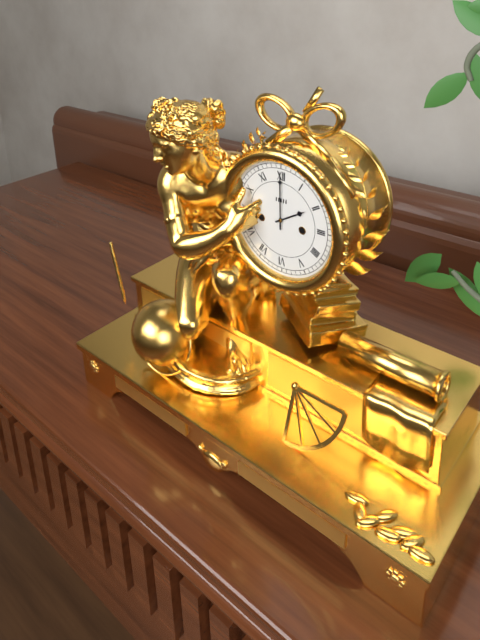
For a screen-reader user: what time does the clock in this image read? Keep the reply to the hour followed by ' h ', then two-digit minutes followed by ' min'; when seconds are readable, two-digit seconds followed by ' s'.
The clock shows 2 h 00 min
